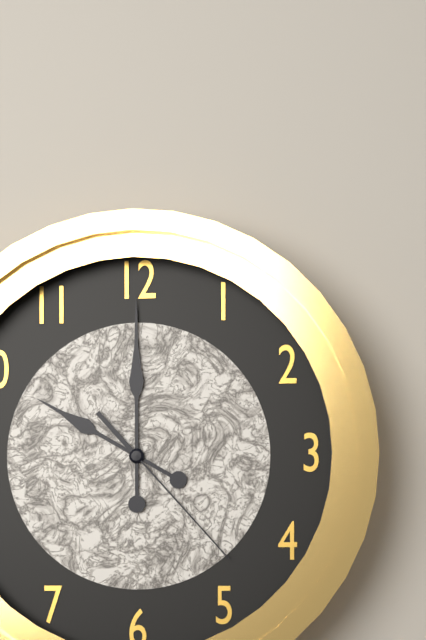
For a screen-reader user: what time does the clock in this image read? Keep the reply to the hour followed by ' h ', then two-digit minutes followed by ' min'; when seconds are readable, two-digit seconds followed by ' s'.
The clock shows 10 h 00 min 23 s
